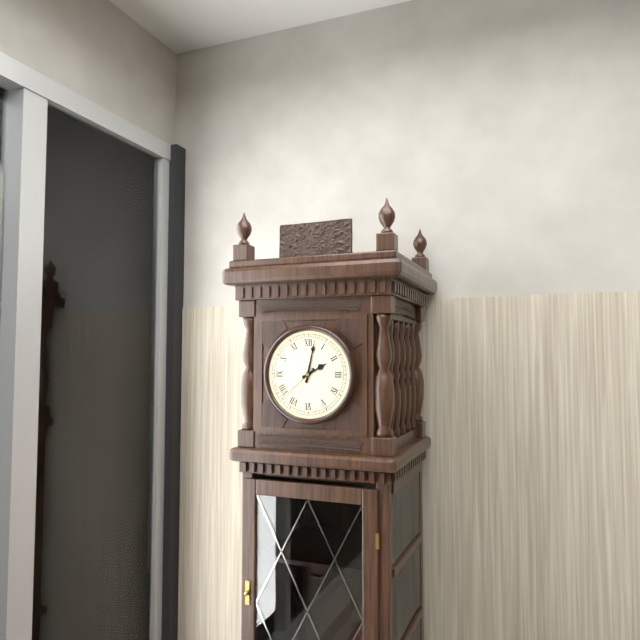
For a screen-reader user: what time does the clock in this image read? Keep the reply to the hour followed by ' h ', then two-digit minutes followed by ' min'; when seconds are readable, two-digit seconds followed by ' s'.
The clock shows 2 h 02 min
